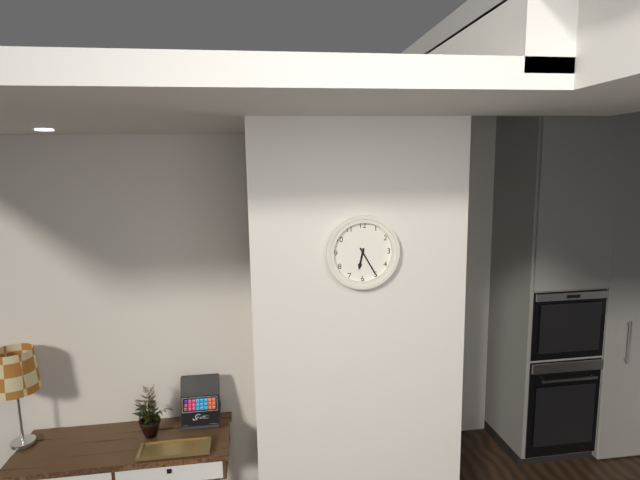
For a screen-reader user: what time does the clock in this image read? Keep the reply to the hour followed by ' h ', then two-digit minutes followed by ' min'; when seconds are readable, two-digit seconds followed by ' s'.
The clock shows 6 h 25 min
